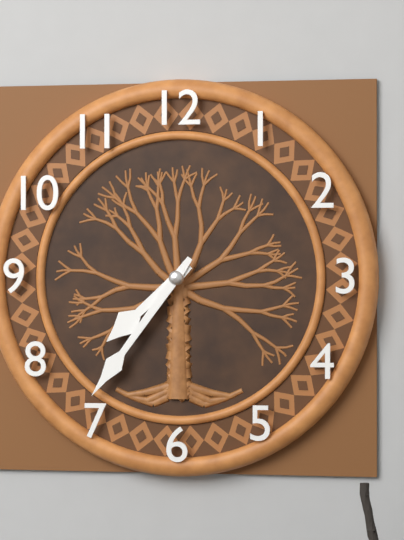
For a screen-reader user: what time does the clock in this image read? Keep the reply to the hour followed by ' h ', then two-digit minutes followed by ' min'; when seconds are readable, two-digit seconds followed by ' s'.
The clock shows 7 h 36 min
